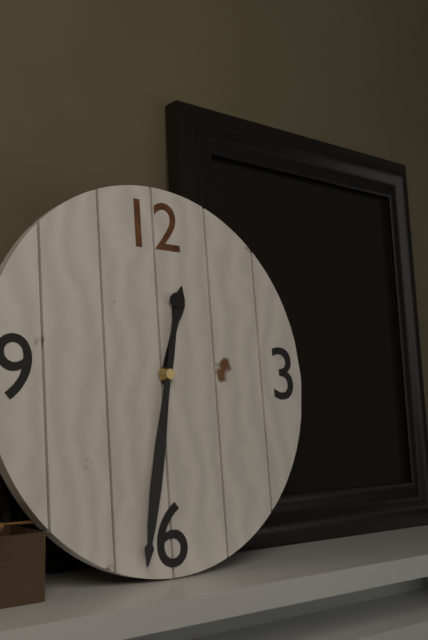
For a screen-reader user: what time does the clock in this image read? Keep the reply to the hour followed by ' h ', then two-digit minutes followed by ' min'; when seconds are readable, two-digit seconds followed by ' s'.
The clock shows 12 h 32 min
